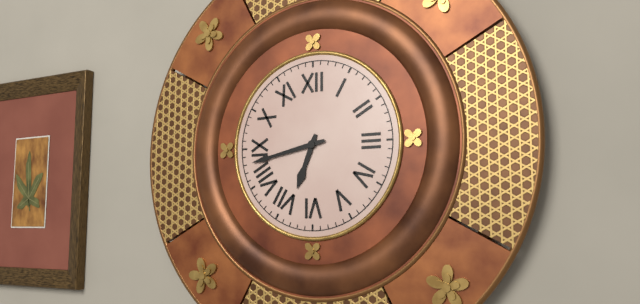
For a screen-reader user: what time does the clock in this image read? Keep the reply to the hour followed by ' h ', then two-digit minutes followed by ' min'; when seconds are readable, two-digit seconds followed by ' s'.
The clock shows 6 h 43 min
